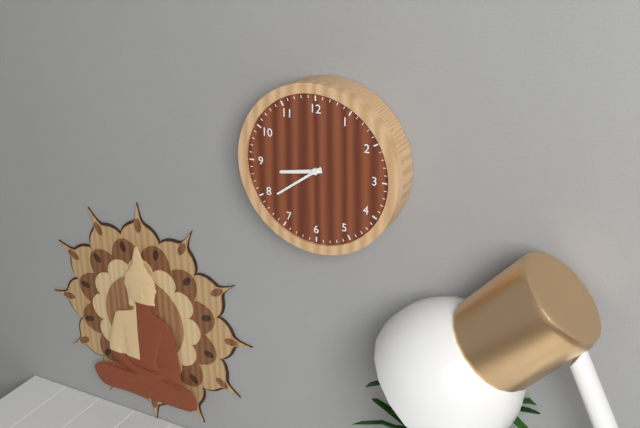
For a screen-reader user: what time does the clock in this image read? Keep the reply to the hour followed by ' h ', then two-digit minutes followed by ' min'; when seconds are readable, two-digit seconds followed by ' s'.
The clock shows 8 h 39 min
